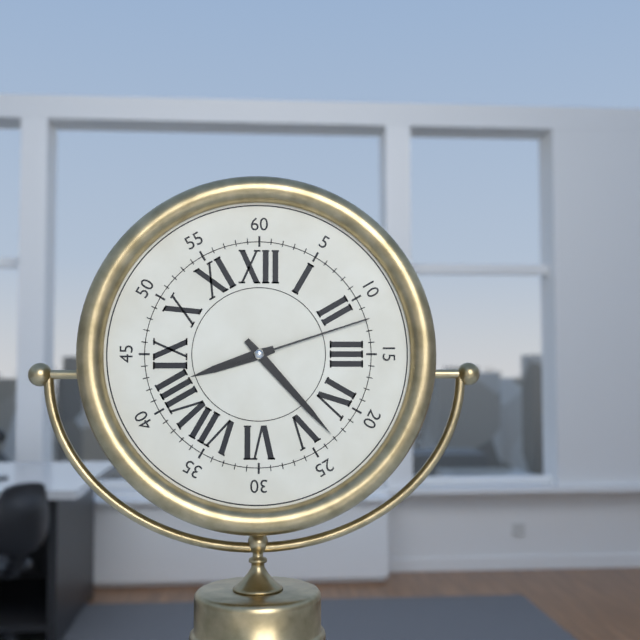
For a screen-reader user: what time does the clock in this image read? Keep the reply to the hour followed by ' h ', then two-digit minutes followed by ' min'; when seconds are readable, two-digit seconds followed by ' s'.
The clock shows 8 h 23 min 12 s
